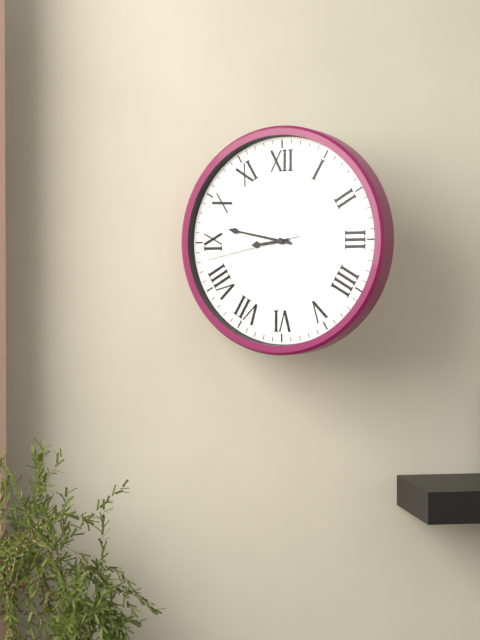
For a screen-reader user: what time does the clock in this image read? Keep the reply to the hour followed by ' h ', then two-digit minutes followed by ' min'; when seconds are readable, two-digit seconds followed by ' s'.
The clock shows 8 h 47 min 43 s
